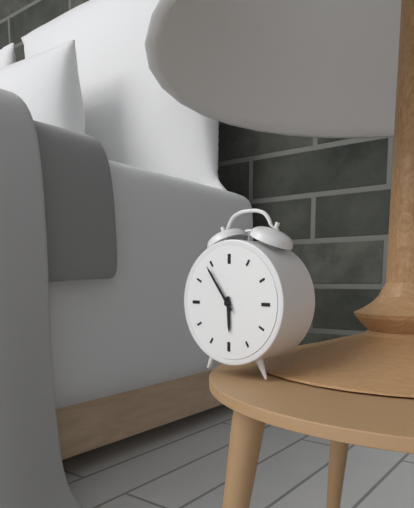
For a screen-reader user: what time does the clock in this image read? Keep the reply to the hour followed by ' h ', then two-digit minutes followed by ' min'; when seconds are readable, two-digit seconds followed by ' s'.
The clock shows 5 h 54 min
